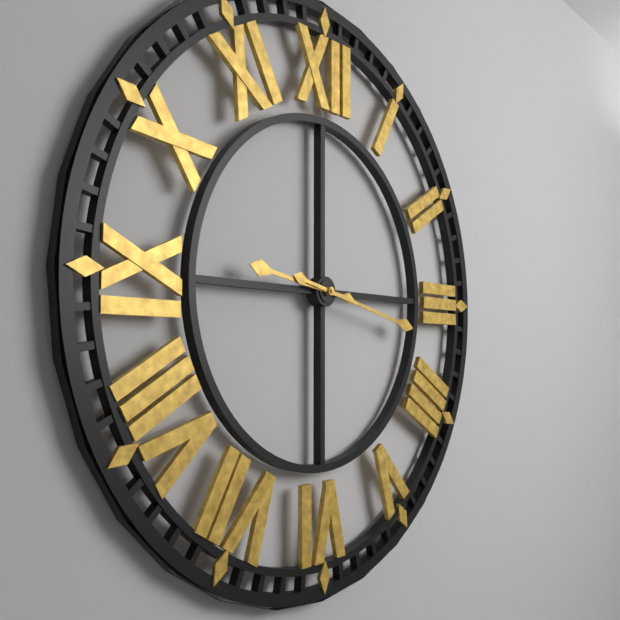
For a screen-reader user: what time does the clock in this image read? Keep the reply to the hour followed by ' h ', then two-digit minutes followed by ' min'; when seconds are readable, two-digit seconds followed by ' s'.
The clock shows 9 h 17 min
